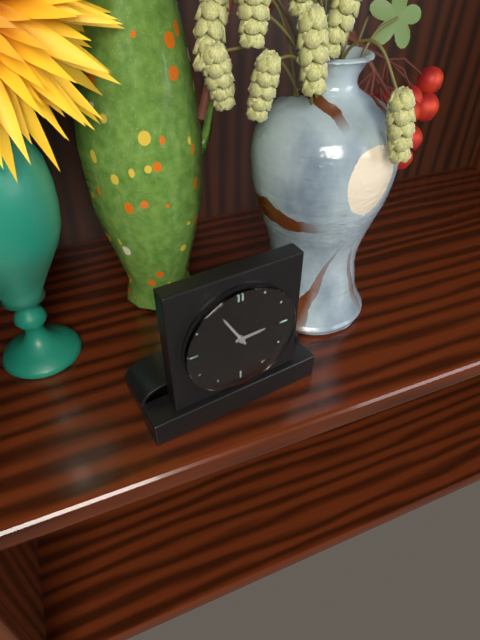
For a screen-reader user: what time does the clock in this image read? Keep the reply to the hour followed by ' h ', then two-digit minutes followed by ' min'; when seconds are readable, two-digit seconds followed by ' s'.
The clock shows 2 h 55 min
